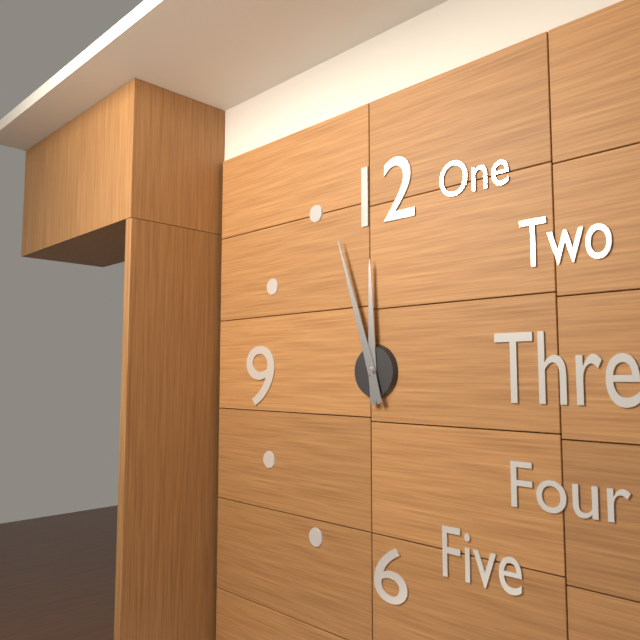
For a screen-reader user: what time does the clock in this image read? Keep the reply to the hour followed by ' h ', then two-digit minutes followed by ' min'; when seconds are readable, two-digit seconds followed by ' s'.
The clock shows 11 h 57 min
